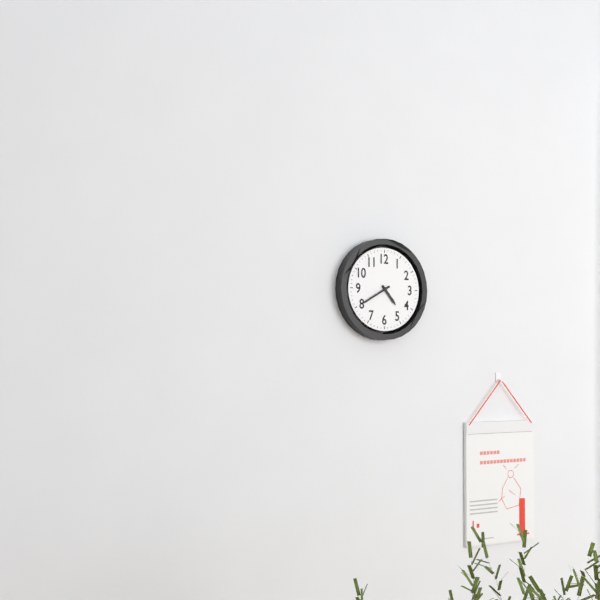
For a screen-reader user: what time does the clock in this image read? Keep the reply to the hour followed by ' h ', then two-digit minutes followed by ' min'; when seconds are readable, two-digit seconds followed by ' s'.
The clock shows 4 h 40 min
